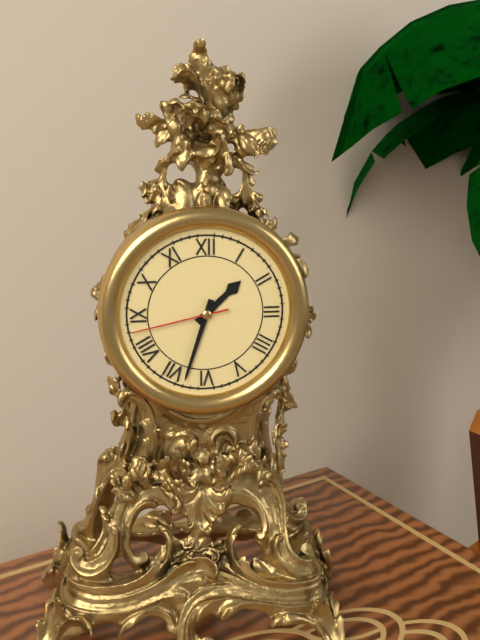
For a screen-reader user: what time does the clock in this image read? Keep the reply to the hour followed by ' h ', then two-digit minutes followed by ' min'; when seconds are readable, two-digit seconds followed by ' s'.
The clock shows 1 h 33 min 43 s
